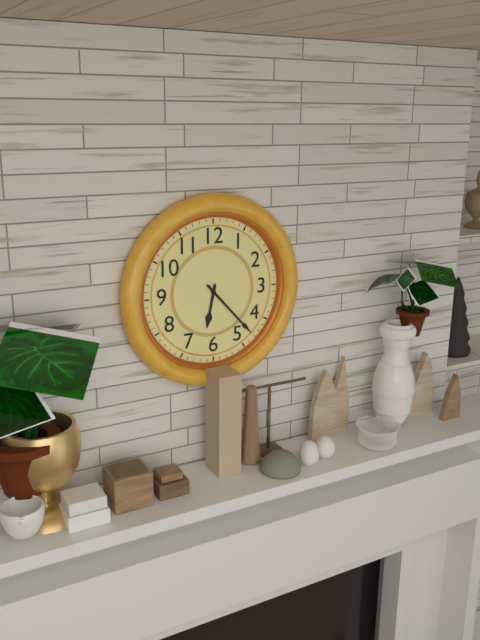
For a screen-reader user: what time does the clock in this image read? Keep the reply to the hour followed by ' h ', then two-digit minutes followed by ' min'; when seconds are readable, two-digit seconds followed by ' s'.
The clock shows 6 h 23 min
